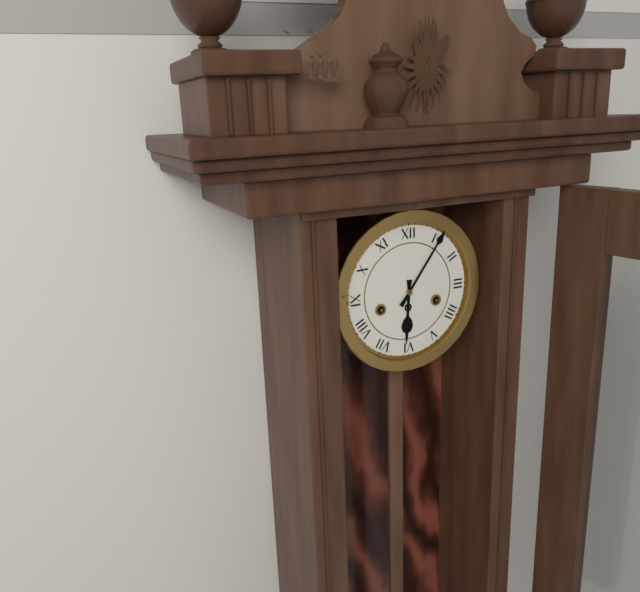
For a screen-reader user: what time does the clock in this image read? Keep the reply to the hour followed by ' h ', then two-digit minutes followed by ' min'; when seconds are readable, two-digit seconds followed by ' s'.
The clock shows 6 h 06 min
